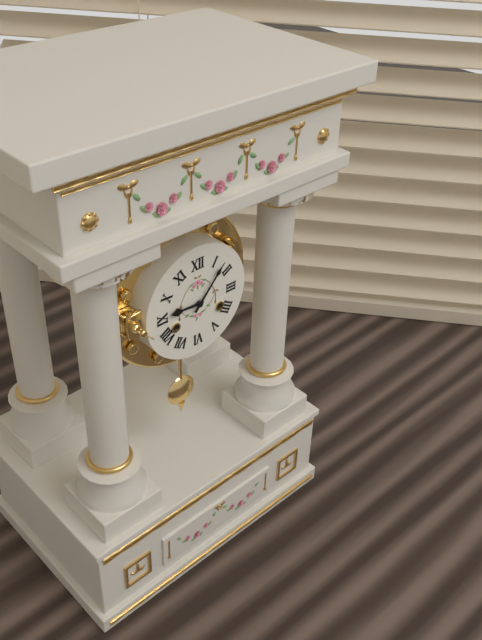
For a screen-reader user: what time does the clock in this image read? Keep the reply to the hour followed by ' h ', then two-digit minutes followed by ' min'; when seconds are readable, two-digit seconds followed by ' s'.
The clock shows 9 h 07 min
